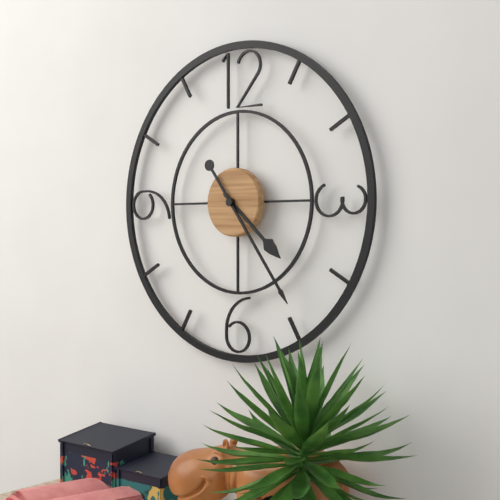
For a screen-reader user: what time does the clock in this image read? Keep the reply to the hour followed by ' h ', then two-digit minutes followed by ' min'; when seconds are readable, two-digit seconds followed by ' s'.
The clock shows 4 h 24 min
